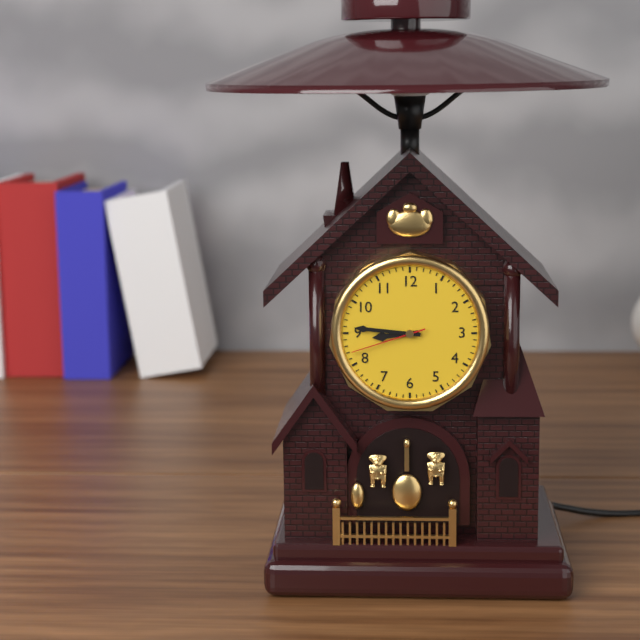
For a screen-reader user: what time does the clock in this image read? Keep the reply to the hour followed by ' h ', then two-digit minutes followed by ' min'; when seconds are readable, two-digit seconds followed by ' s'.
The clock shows 8 h 46 min 42 s
